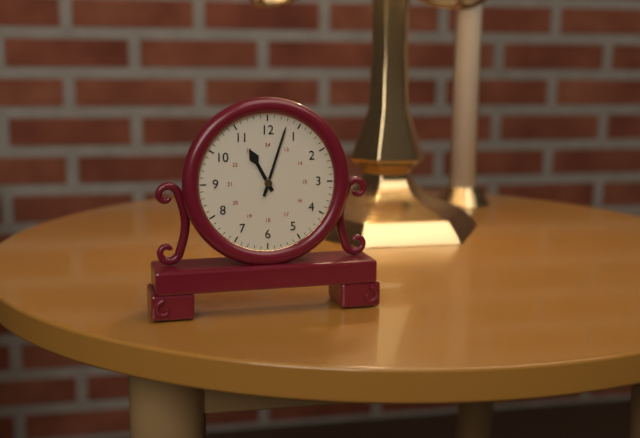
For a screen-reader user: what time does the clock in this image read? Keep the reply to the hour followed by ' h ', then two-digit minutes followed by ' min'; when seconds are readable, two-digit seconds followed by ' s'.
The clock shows 11 h 03 min
